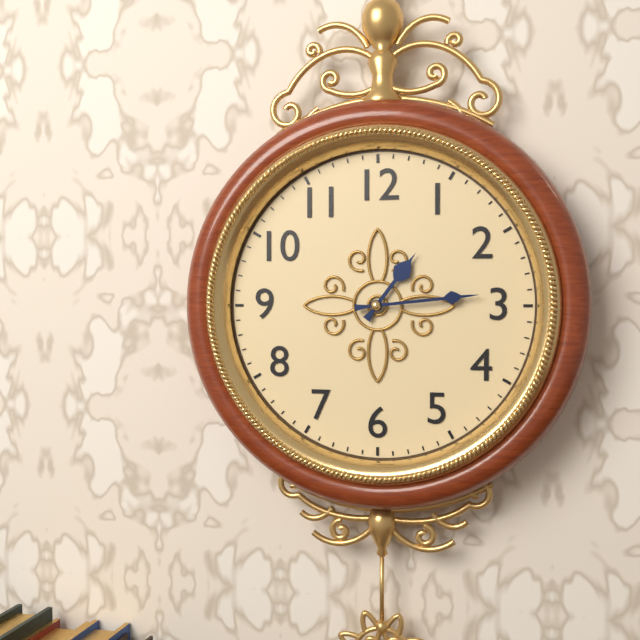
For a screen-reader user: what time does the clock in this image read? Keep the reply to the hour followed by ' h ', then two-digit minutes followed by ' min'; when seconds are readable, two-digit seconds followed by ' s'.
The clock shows 1 h 14 min
